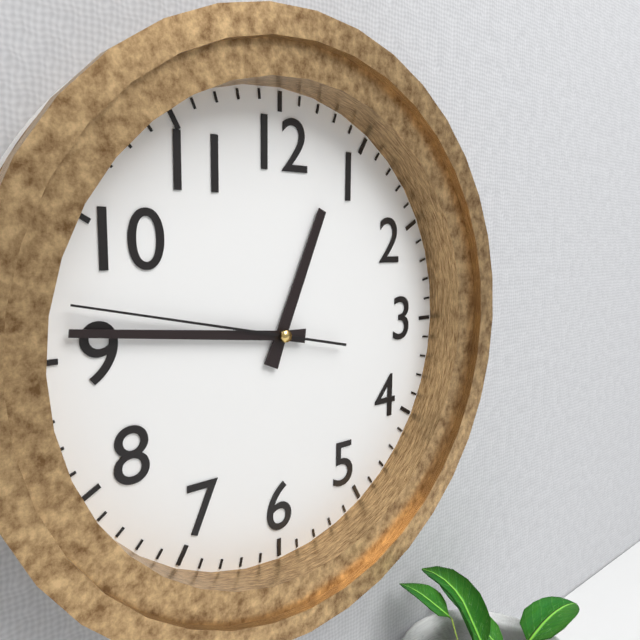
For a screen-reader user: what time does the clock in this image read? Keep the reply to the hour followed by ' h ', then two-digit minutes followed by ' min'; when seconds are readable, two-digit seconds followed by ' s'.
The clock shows 12 h 46 min 47 s
